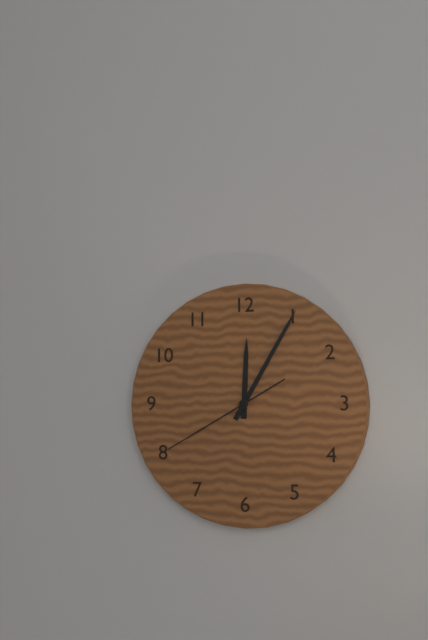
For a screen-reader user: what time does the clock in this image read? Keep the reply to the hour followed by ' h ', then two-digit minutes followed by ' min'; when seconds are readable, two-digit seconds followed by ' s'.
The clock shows 12 h 05 min 40 s
